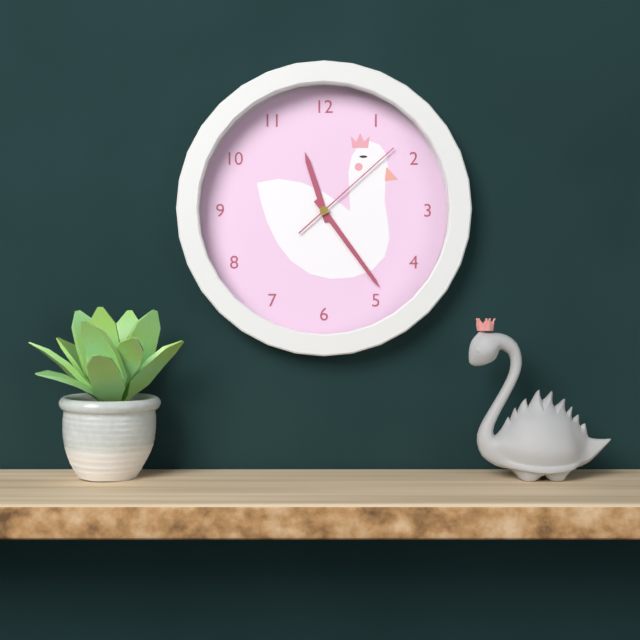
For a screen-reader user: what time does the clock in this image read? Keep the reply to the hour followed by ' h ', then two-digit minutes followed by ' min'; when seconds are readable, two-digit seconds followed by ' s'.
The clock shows 11 h 24 min 08 s
